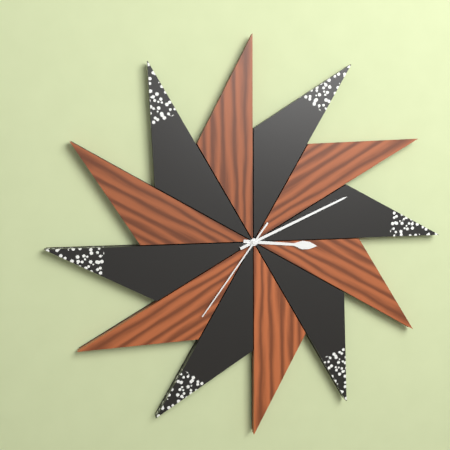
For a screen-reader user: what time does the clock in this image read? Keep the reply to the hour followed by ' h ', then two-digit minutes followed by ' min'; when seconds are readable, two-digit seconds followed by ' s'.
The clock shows 3 h 11 min 36 s
